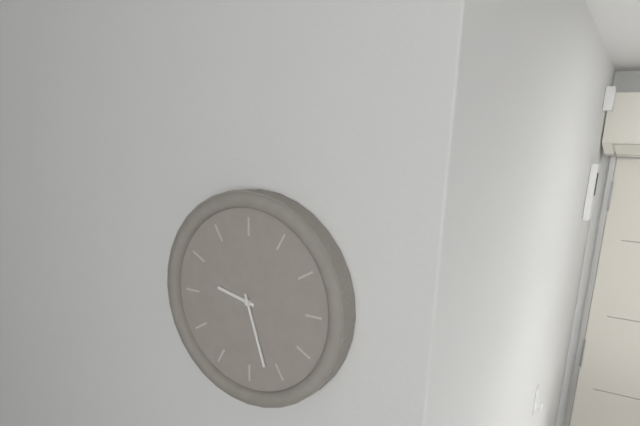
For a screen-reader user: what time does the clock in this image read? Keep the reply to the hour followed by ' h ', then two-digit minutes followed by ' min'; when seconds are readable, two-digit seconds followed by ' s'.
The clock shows 9 h 27 min
